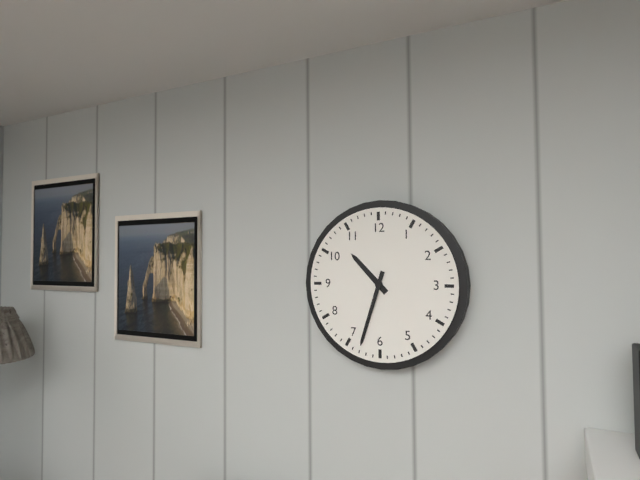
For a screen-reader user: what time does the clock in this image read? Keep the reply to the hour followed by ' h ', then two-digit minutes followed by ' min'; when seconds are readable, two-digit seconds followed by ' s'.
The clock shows 10 h 33 min
